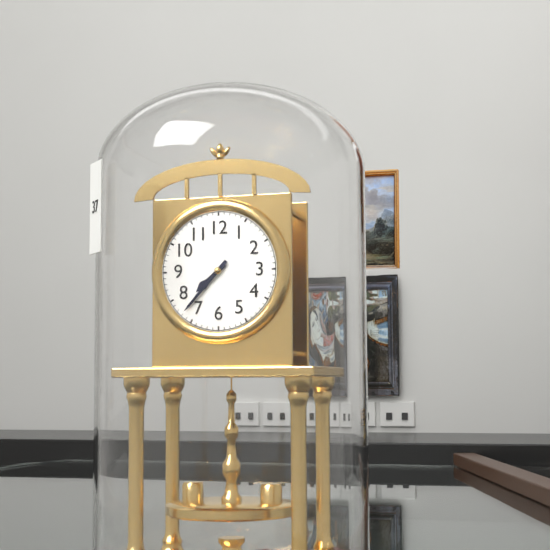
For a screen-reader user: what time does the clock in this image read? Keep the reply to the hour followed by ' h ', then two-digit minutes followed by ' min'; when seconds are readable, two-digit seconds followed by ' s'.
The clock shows 7 h 37 min
